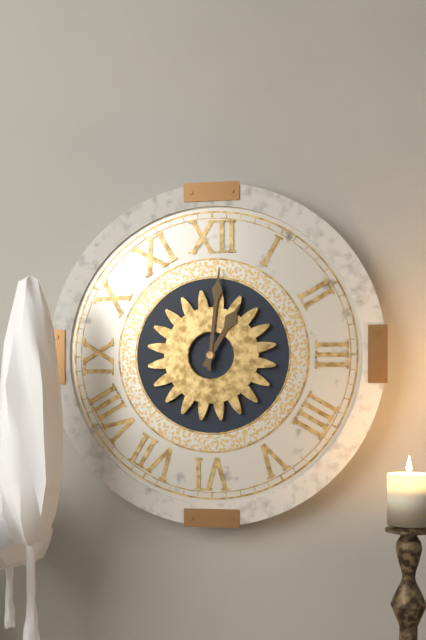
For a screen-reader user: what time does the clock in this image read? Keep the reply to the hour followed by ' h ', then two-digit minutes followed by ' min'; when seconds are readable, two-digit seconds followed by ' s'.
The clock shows 1 h 01 min
